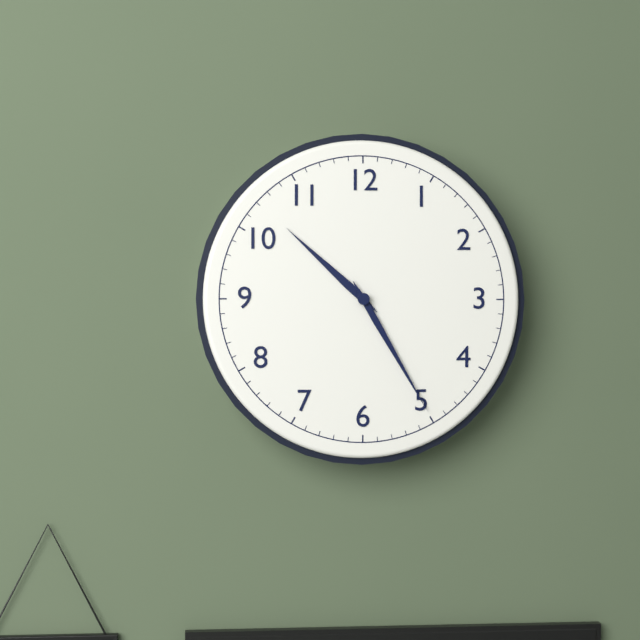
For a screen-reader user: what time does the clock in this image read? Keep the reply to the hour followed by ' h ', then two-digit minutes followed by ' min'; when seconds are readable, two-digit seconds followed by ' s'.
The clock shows 10 h 25 min
